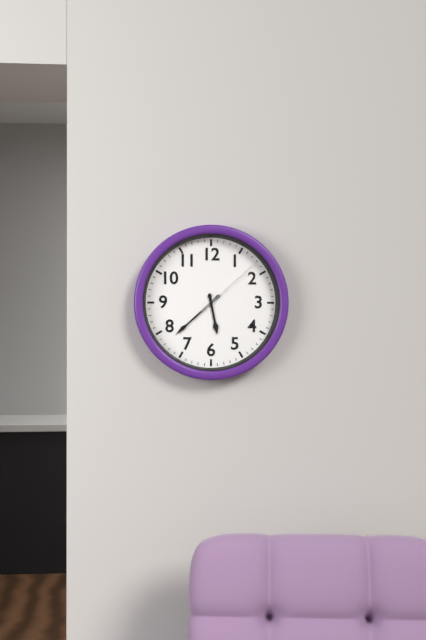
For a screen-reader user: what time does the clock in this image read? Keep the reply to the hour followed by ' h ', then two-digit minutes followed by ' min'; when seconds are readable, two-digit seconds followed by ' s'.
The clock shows 5 h 38 min 08 s
